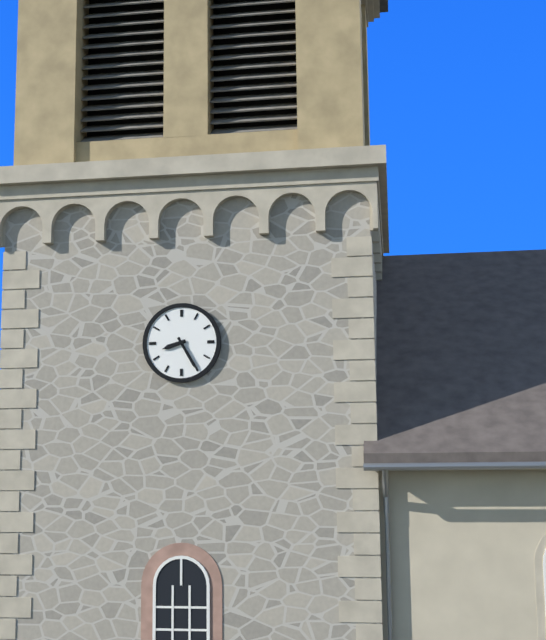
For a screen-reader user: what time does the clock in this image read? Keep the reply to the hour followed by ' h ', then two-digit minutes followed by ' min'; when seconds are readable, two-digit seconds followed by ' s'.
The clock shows 8 h 25 min
